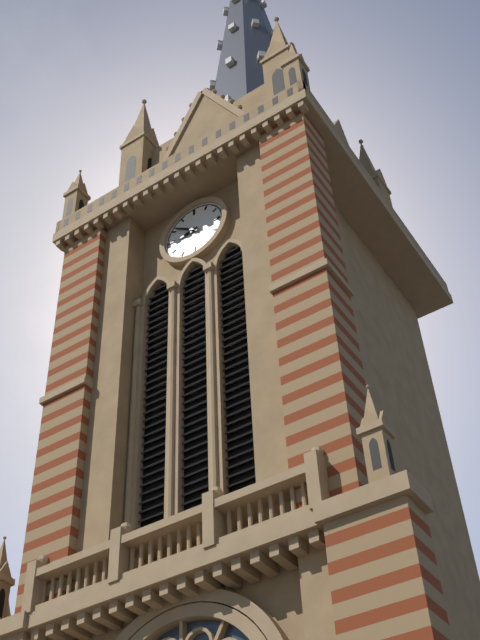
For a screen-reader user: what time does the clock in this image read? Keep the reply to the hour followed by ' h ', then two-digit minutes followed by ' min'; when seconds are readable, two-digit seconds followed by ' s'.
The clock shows 8 h 51 min
